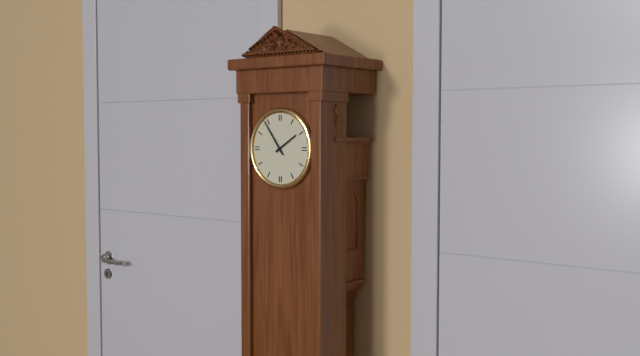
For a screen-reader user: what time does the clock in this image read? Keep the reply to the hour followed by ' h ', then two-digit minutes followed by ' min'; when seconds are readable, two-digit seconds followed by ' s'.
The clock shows 1 h 54 min
